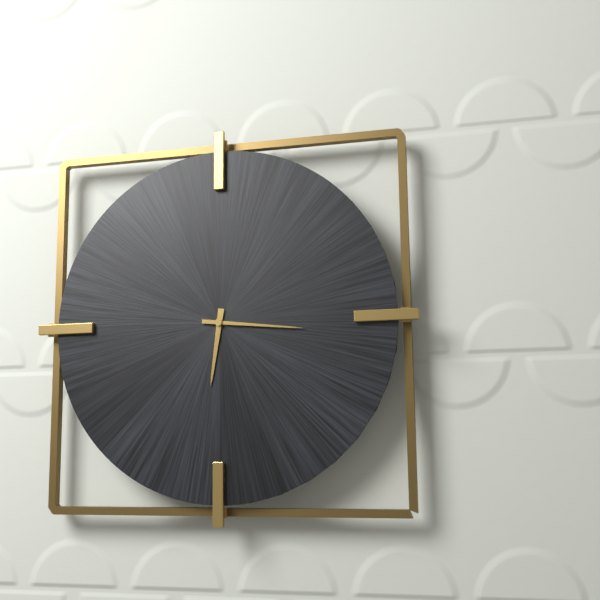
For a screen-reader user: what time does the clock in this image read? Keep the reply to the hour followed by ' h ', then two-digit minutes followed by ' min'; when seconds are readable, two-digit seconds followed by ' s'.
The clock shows 6 h 16 min
